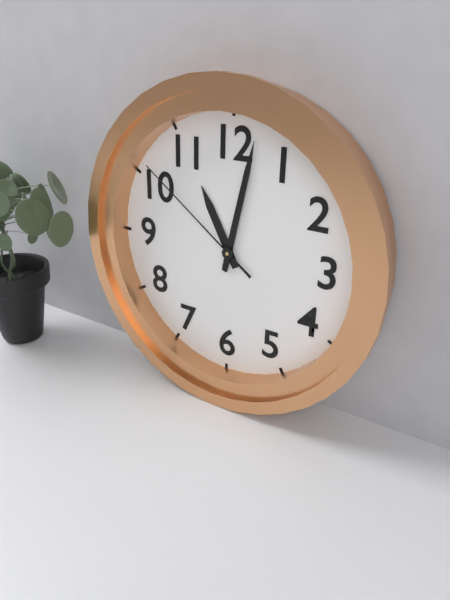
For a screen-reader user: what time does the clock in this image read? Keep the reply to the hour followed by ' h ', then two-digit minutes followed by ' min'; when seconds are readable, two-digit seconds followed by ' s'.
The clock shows 11 h 02 min 51 s
